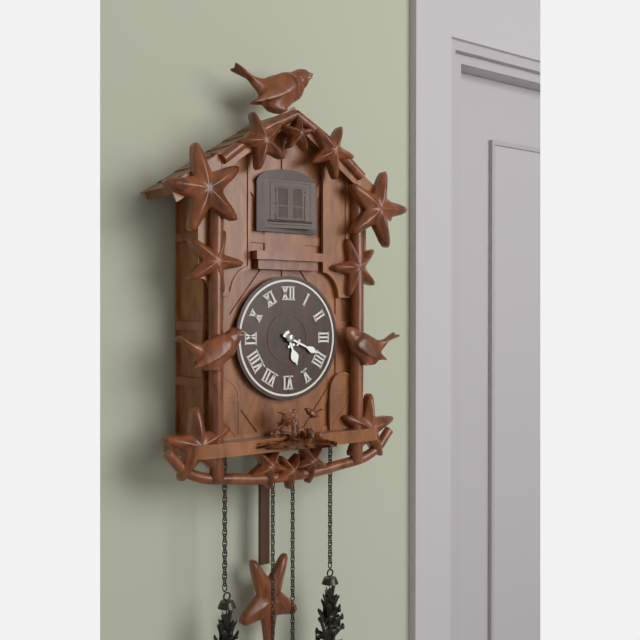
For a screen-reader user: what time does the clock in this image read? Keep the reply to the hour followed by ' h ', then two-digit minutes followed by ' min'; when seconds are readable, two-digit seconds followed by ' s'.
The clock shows 5 h 19 min
